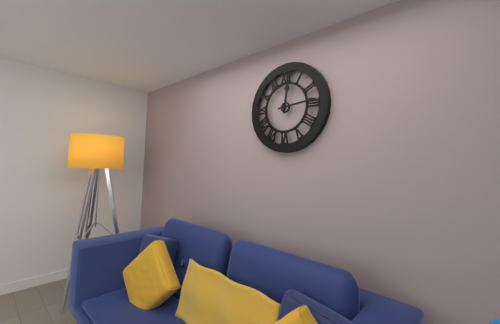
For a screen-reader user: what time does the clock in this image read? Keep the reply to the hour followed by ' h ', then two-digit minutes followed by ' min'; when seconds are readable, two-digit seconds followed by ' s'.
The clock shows 12 h 14 min
